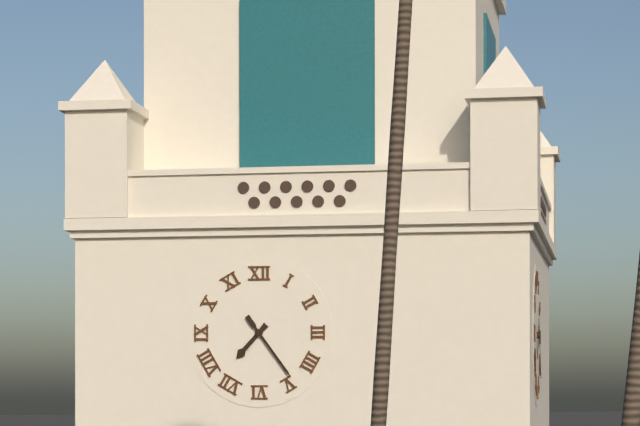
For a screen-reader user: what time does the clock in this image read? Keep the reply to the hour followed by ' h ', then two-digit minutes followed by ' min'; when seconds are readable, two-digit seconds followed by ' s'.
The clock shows 7 h 24 min
